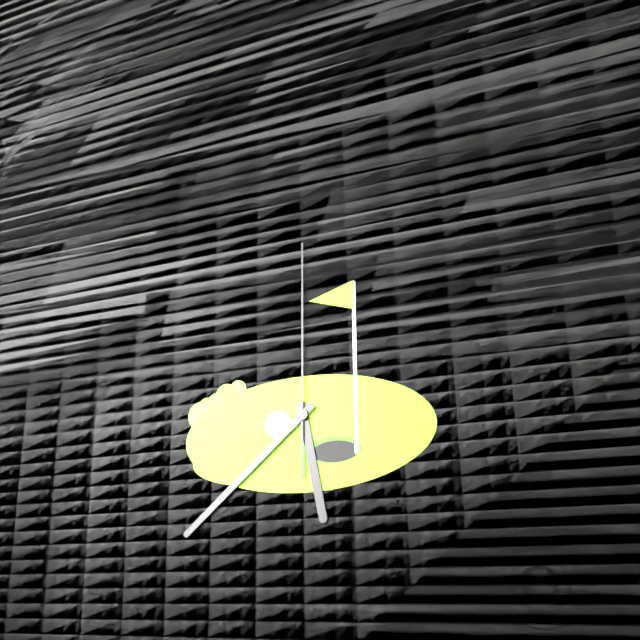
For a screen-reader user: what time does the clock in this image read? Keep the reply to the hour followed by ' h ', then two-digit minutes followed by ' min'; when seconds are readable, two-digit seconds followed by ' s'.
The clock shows 5 h 38 min 00 s
